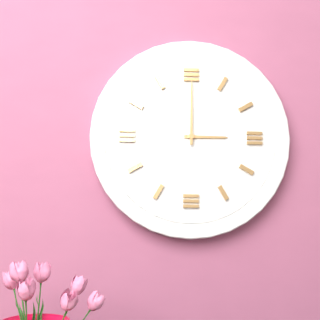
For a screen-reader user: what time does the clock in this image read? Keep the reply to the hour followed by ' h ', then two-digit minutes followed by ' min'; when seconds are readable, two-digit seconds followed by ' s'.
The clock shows 3 h 00 min
